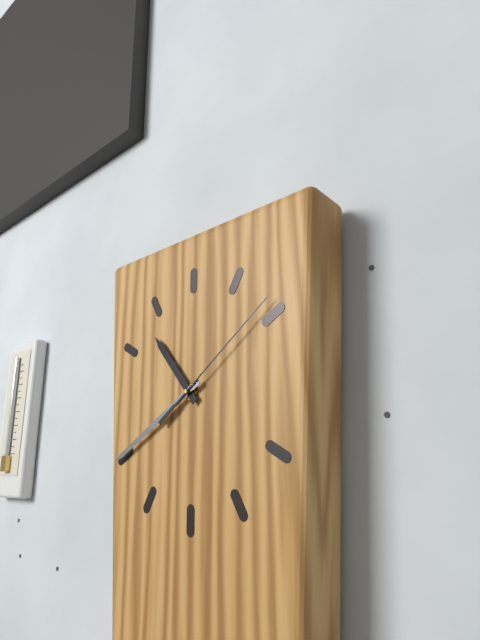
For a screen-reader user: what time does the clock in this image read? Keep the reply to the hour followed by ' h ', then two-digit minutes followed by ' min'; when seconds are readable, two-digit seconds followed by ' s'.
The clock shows 10 h 40 min 09 s
